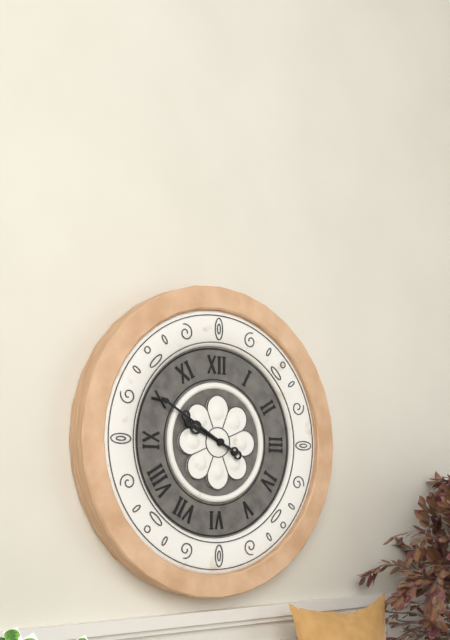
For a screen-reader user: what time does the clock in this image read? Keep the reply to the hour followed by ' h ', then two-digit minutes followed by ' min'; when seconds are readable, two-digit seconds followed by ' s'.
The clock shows 9 h 50 min
